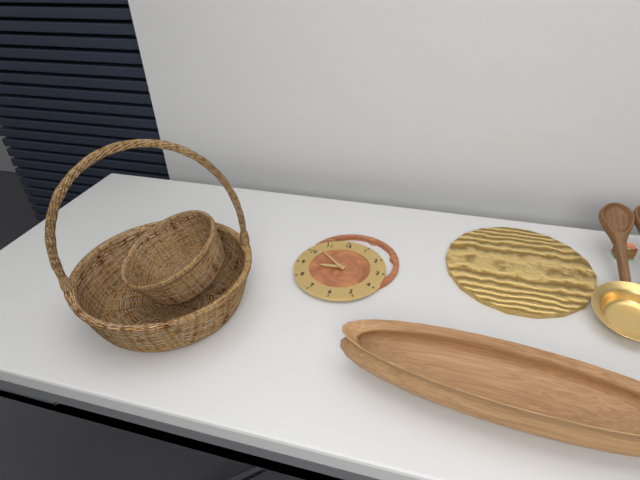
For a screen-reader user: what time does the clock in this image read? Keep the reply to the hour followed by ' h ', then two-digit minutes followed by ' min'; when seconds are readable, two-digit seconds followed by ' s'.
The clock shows 8 h 52 min
